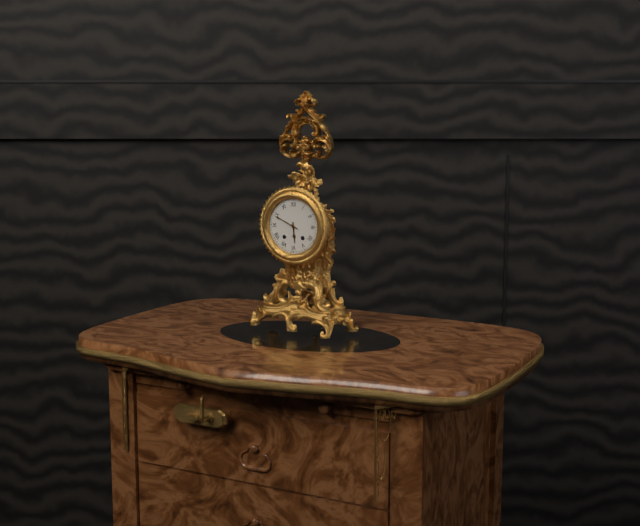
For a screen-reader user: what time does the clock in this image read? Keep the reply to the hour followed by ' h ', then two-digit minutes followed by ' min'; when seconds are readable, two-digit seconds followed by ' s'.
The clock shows 5 h 49 min
